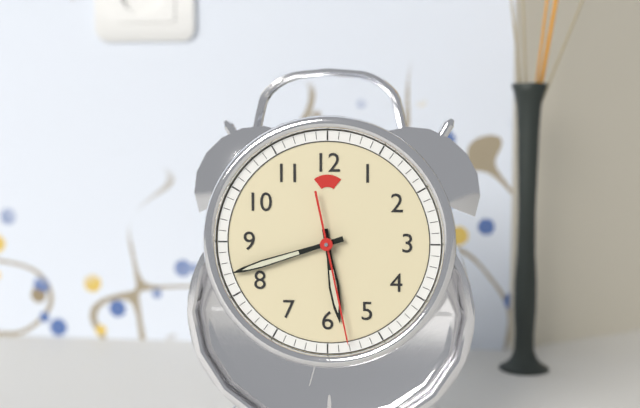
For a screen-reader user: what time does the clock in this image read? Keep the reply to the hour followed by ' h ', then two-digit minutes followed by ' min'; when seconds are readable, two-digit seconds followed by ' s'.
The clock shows 5 h 42 min 28 s
